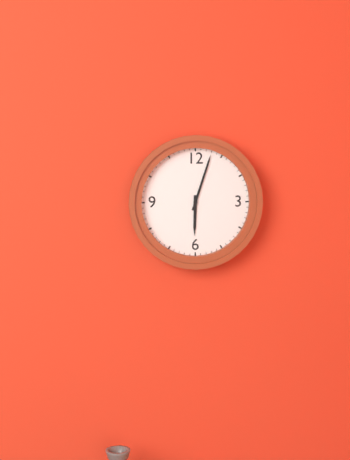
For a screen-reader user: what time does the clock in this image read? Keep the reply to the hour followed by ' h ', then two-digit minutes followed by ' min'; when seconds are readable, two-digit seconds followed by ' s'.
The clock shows 6 h 03 min
